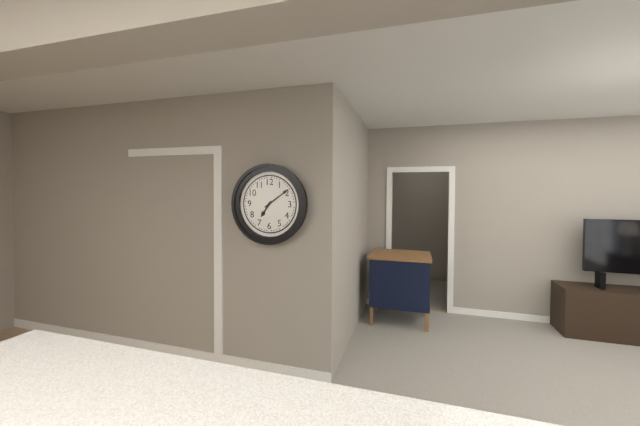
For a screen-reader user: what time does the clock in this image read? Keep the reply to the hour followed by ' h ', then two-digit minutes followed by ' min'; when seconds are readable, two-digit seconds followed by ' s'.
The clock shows 7 h 09 min
